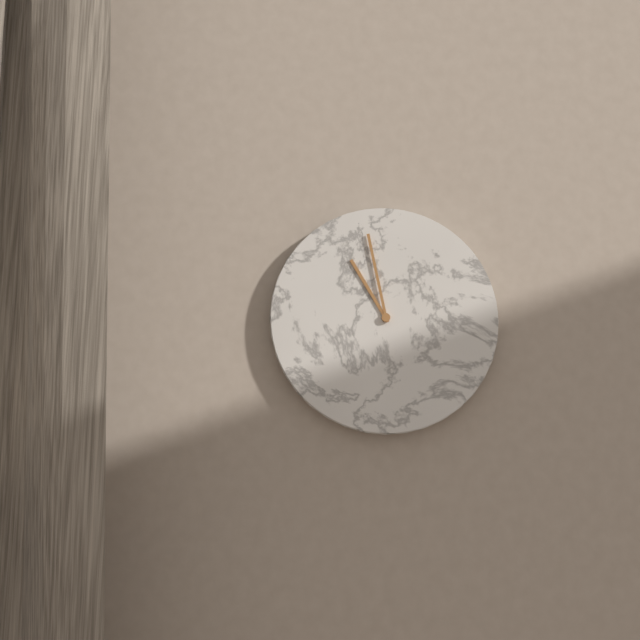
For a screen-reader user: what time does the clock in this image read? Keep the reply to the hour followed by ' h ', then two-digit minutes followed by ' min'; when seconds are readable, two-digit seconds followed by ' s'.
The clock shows 10 h 58 min
